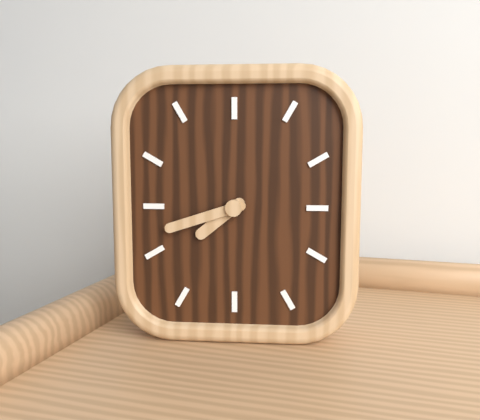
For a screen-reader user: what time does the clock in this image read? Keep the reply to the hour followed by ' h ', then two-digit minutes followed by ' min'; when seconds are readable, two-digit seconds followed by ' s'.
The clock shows 7 h 42 min
